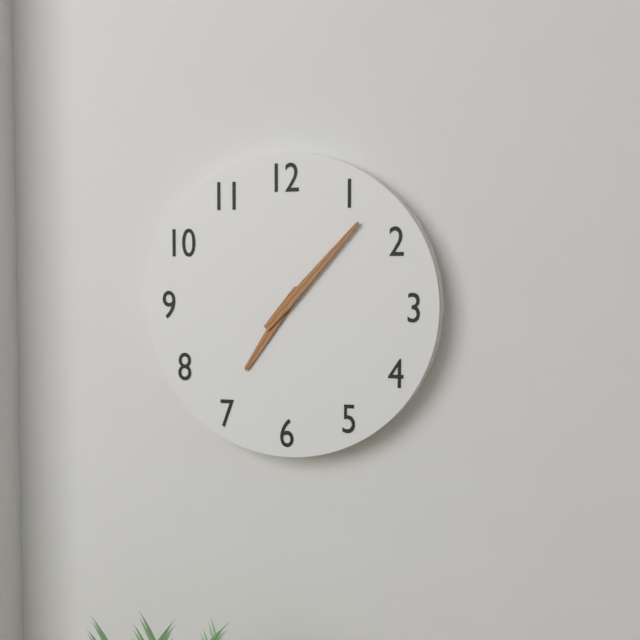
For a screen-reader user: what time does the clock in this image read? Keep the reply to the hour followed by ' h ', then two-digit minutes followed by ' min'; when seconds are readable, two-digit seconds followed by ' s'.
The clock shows 7 h 07 min
